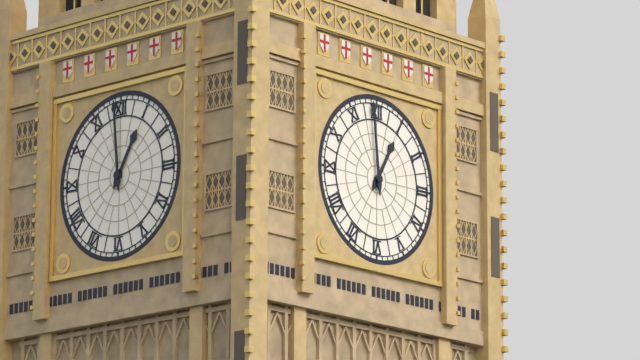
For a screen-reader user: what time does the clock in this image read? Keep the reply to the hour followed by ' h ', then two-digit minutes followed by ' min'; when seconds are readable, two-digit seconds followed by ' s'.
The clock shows 12 h 59 min
